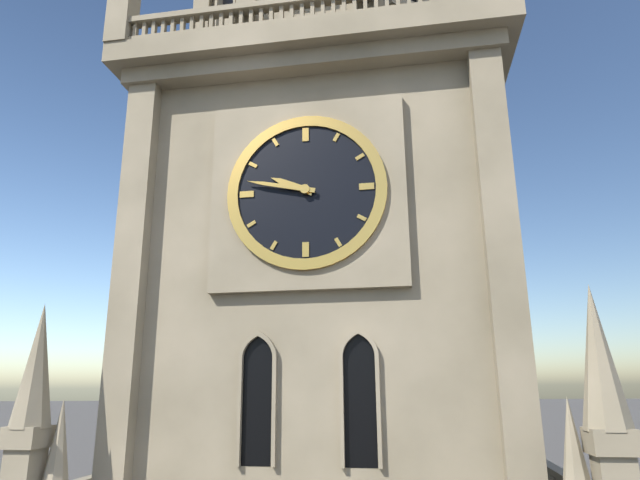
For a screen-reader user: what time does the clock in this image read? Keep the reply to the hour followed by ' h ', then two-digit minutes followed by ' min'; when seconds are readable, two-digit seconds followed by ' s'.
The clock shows 9 h 47 min
